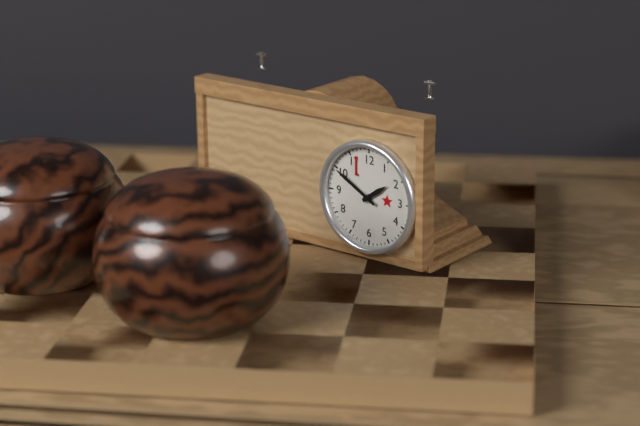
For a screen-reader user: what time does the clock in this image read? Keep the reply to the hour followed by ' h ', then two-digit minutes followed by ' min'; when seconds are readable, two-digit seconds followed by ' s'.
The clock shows 1 h 50 min
